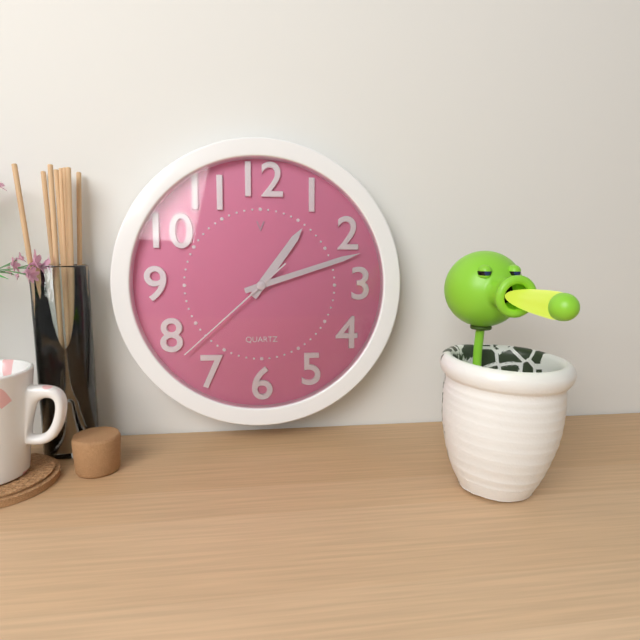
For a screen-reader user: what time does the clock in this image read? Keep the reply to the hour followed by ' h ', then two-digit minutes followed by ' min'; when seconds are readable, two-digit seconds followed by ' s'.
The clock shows 1 h 12 min 38 s
